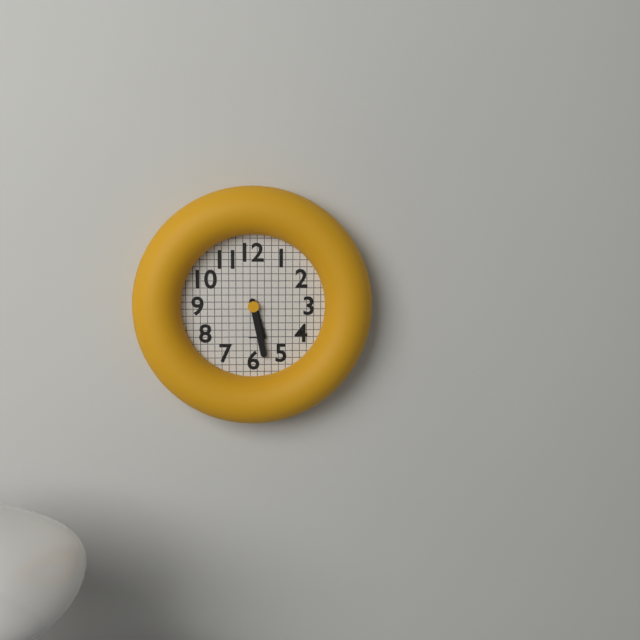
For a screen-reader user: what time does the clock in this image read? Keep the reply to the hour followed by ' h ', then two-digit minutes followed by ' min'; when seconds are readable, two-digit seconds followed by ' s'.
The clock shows 5 h 28 min
